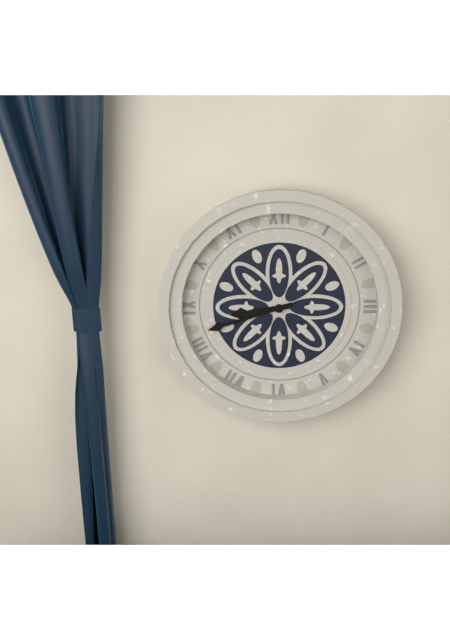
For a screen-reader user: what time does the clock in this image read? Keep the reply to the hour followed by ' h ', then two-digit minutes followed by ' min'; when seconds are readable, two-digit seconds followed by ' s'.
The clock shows 8 h 42 min
